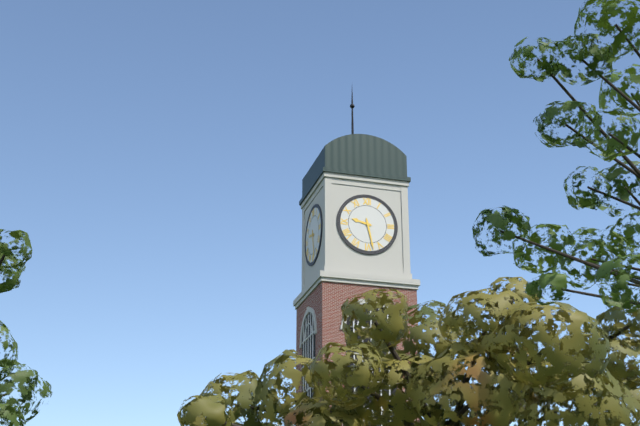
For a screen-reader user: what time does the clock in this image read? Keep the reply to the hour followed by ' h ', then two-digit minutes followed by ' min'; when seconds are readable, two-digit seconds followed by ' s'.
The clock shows 9 h 28 min
